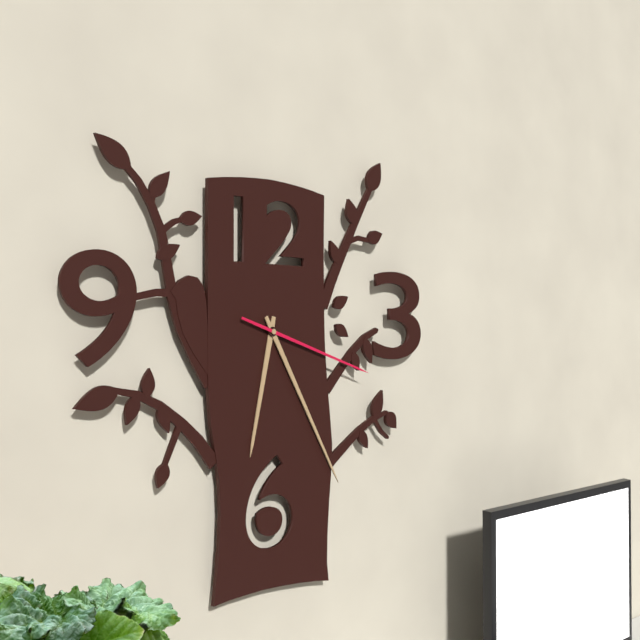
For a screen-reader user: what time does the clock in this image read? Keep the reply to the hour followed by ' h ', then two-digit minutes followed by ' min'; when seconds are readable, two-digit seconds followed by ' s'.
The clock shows 6 h 25 min 18 s
